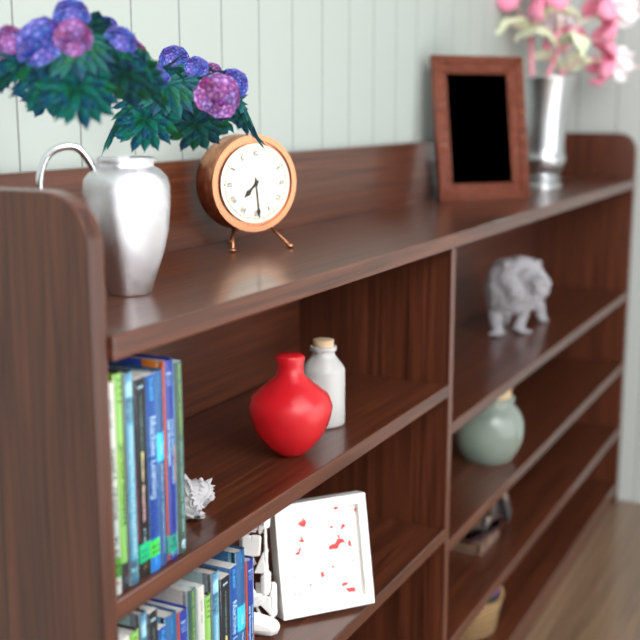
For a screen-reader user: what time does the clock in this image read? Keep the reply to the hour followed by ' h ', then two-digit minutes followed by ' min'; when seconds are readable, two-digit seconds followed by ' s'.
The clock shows 7 h 29 min
